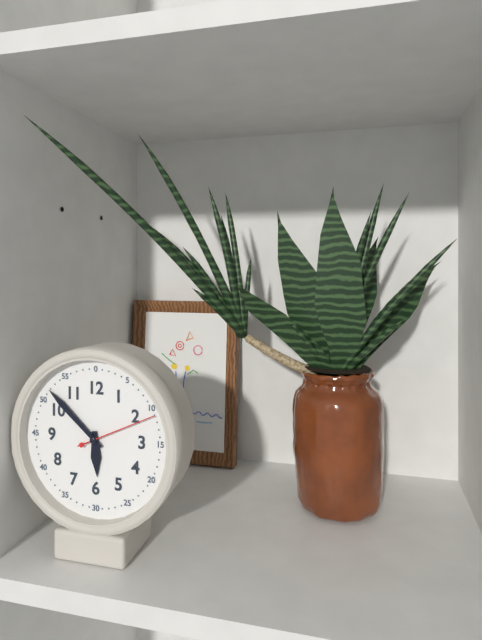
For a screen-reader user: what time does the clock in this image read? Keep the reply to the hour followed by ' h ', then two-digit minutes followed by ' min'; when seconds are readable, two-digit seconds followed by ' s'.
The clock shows 5 h 52 min 11 s
